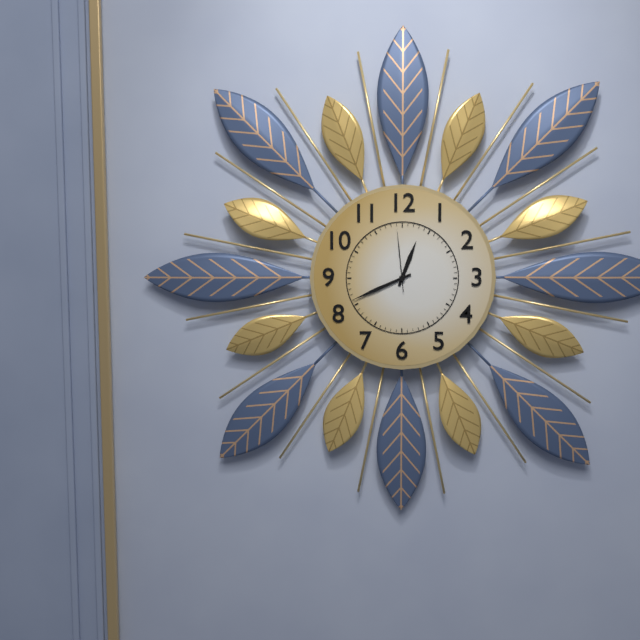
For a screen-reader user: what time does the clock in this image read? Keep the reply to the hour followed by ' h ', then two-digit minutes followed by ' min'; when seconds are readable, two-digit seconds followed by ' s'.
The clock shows 12 h 41 min 59 s
